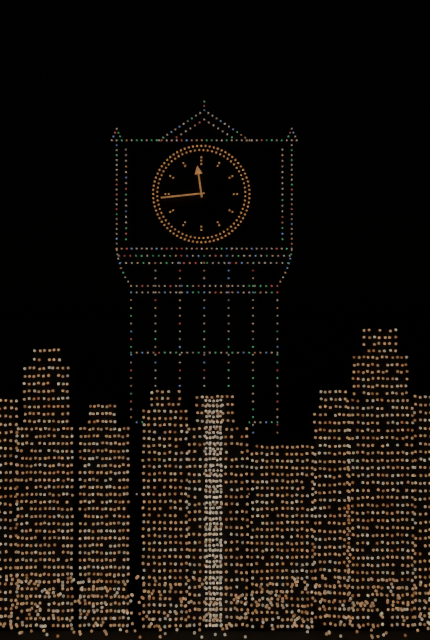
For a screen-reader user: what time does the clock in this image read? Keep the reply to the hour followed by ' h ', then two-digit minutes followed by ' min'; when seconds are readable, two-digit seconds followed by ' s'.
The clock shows 11 h 44 min
